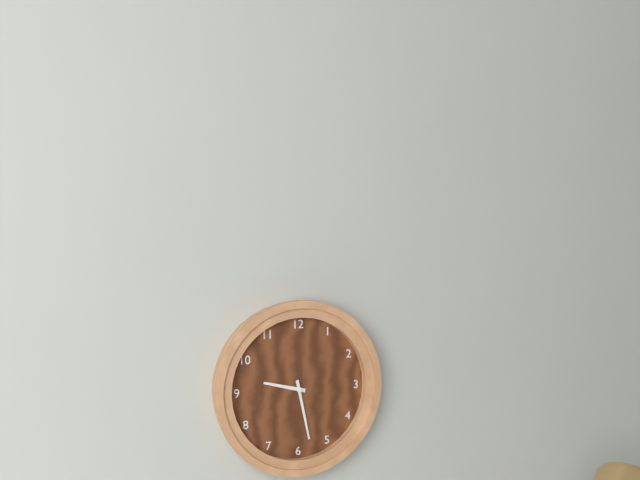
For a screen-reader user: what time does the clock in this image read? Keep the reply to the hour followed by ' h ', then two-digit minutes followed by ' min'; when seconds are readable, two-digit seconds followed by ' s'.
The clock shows 9 h 28 min
